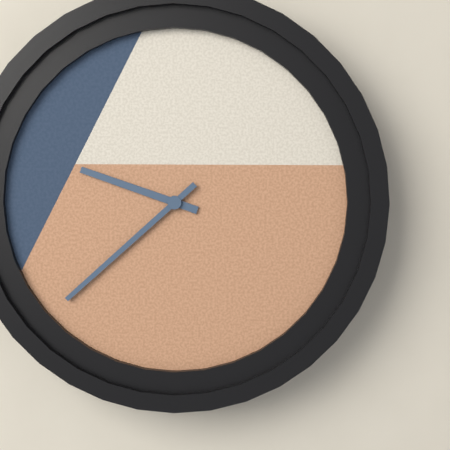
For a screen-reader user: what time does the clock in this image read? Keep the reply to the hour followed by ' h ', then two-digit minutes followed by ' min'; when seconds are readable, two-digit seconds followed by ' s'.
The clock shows 9 h 38 min
